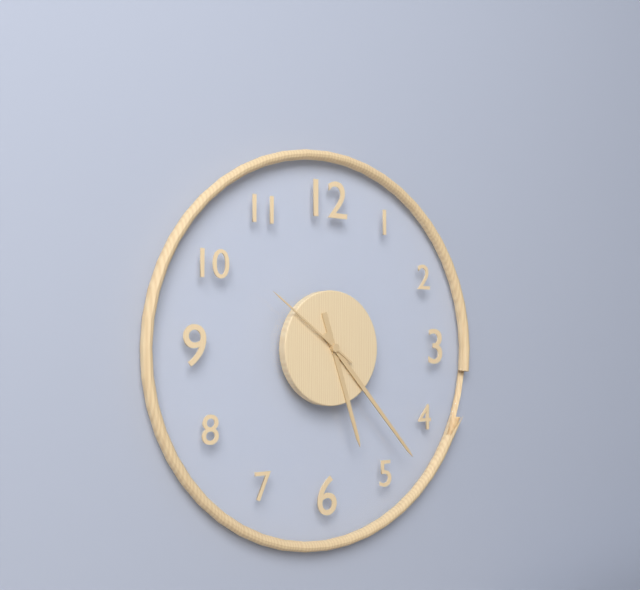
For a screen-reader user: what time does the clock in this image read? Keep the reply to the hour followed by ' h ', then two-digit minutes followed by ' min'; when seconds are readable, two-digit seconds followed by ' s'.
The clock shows 5 h 23 min 51 s
